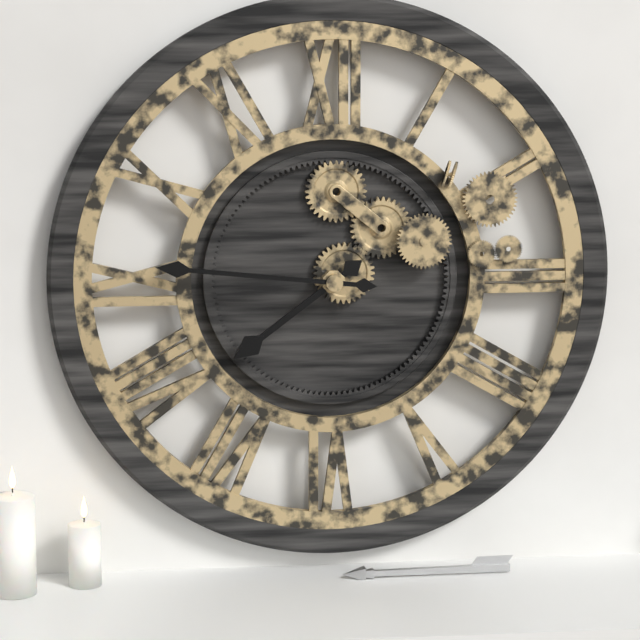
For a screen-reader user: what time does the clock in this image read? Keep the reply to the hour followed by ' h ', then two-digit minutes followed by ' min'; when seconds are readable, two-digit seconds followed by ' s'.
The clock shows 7 h 46 min
